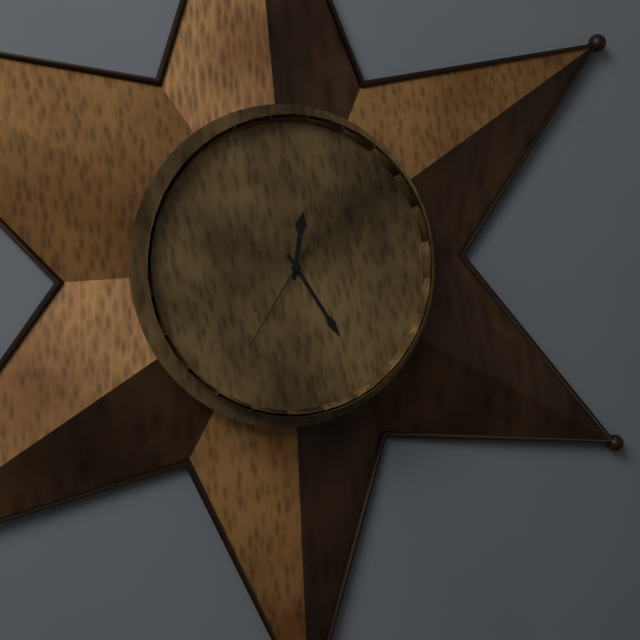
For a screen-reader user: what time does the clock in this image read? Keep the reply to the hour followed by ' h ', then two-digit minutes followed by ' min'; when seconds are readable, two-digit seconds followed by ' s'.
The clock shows 12 h 25 min 36 s
